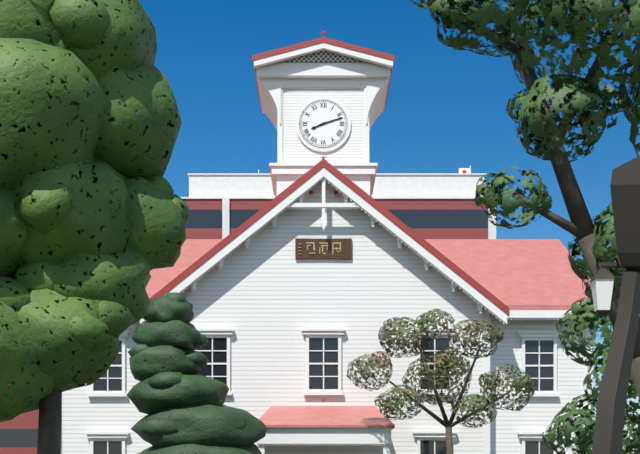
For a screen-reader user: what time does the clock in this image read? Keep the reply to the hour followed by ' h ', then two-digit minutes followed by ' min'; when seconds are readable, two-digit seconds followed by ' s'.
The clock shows 8 h 12 min
